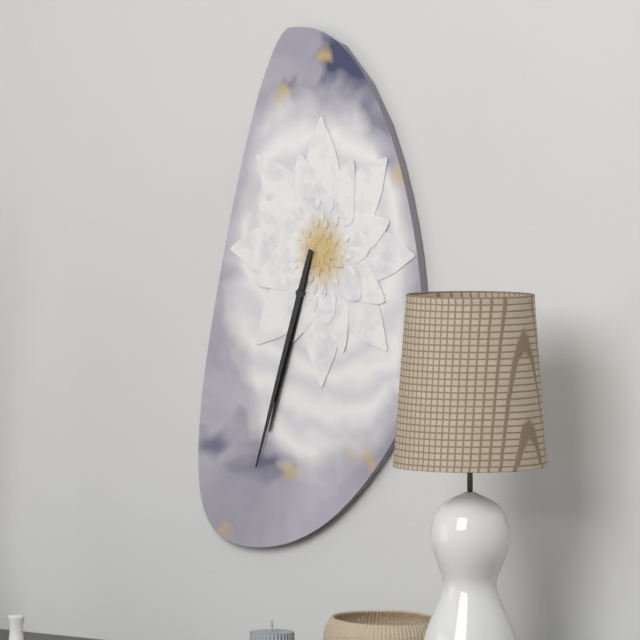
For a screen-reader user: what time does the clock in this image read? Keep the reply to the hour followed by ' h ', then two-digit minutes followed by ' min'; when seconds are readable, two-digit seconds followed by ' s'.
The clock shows 6 h 33 min
